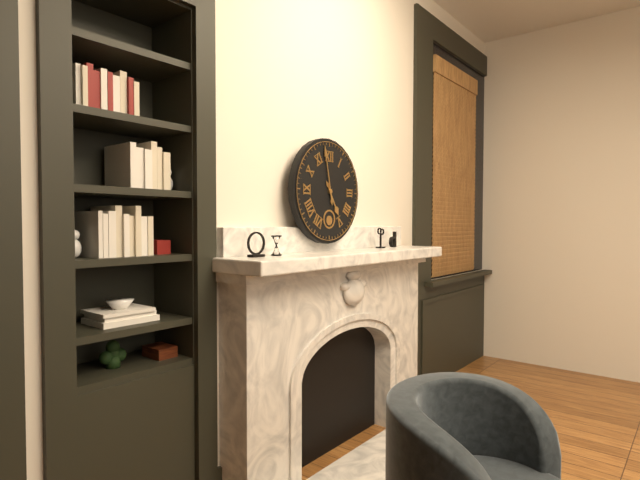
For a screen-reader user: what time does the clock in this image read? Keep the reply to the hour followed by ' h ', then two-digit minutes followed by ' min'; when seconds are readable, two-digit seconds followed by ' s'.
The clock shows 4 h 58 min
